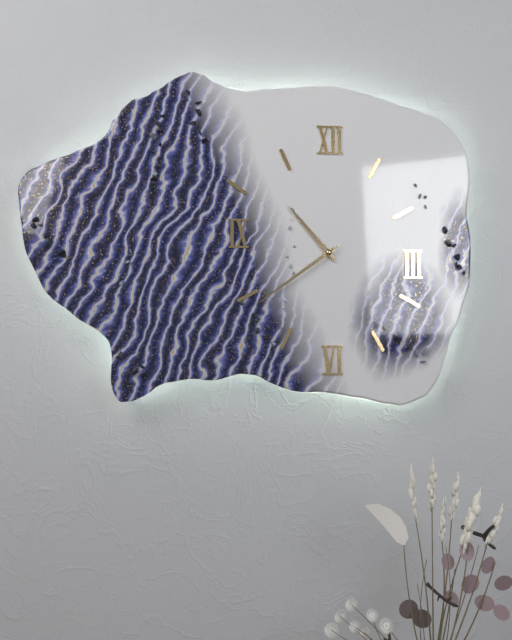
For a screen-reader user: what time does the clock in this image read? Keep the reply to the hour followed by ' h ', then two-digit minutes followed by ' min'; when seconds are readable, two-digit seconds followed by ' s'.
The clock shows 10 h 39 min
